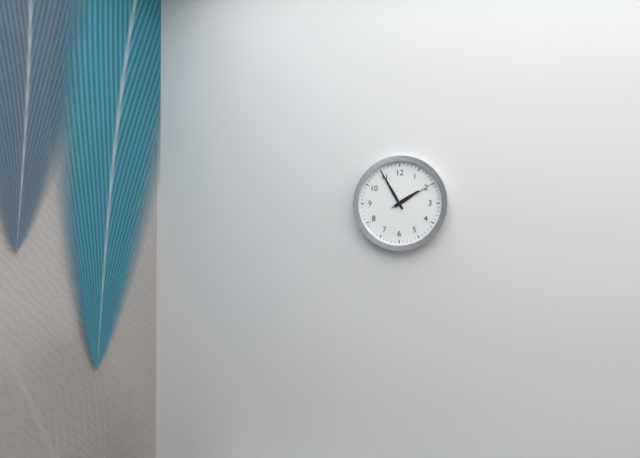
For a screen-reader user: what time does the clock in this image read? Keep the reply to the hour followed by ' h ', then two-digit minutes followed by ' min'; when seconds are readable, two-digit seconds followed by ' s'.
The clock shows 1 h 55 min
